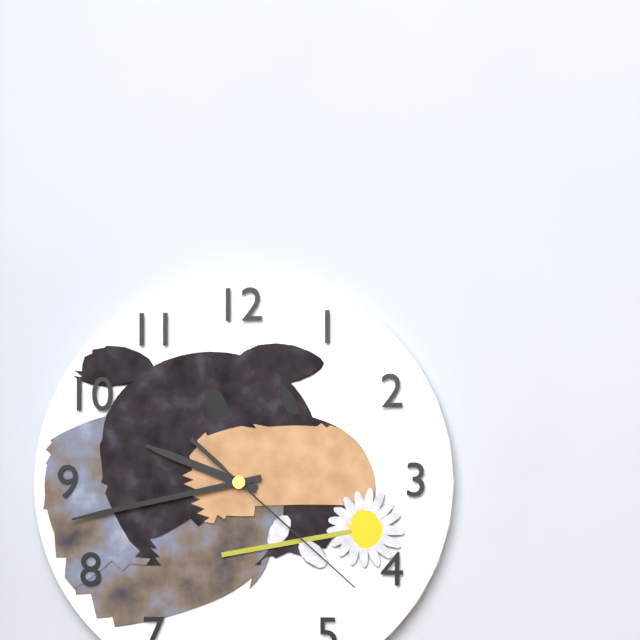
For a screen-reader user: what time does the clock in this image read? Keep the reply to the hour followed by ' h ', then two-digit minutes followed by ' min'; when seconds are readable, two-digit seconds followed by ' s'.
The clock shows 9 h 43 min 22 s
